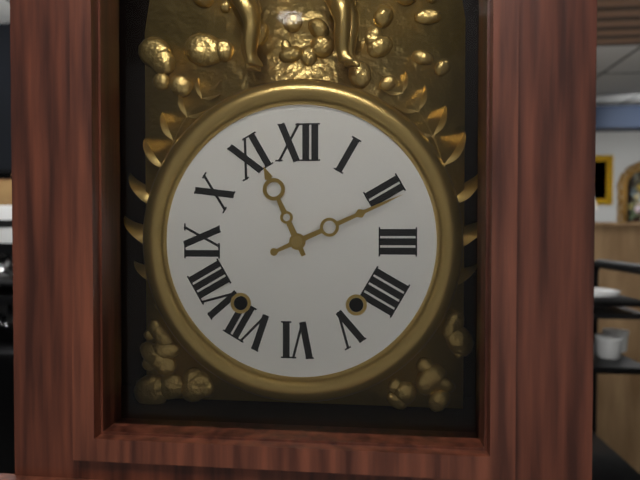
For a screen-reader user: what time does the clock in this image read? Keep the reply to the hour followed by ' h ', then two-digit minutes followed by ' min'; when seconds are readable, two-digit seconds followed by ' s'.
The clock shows 11 h 11 min
